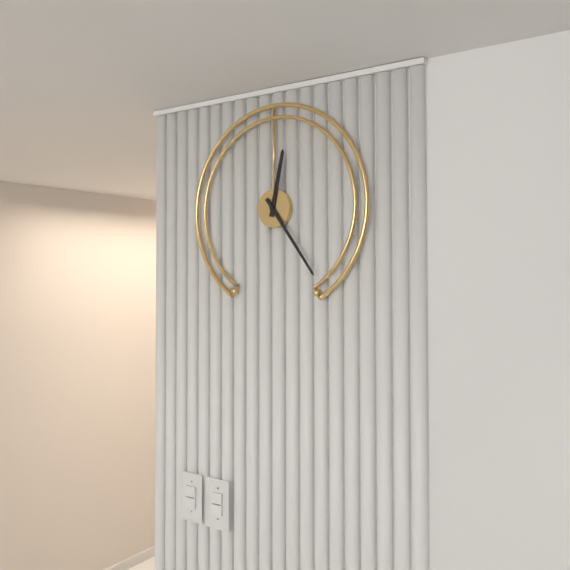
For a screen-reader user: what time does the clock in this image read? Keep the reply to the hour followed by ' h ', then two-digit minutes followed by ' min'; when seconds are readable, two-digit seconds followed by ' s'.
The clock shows 12 h 24 min
